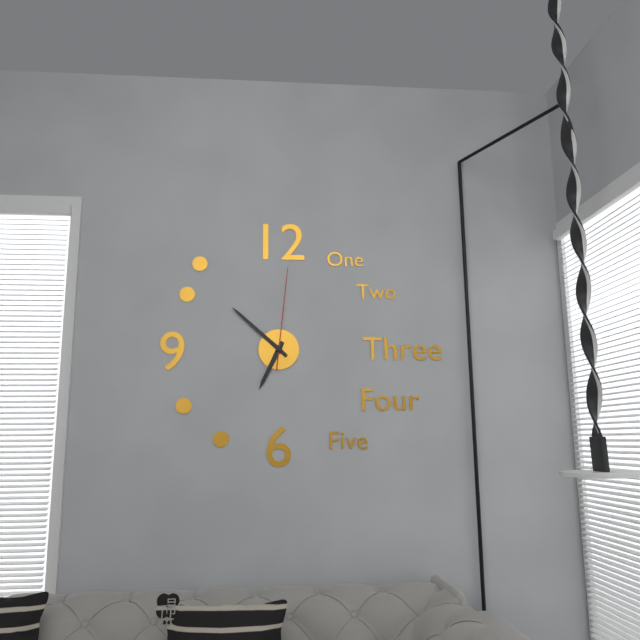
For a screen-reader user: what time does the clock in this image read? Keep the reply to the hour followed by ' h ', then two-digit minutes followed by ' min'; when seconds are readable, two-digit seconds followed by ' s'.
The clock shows 6 h 52 min 01 s
